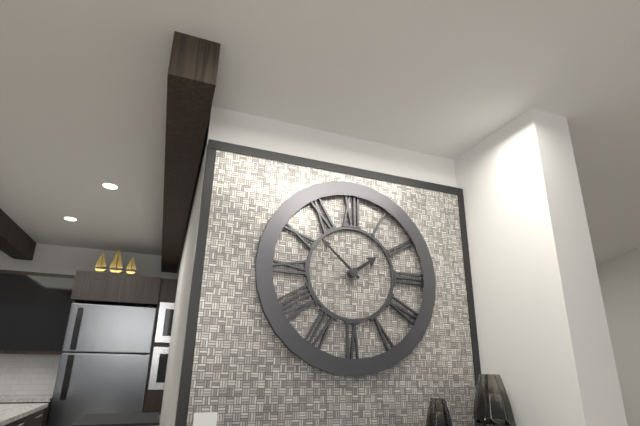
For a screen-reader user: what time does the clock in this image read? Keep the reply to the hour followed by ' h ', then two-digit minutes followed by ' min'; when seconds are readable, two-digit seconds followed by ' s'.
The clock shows 1 h 52 min
